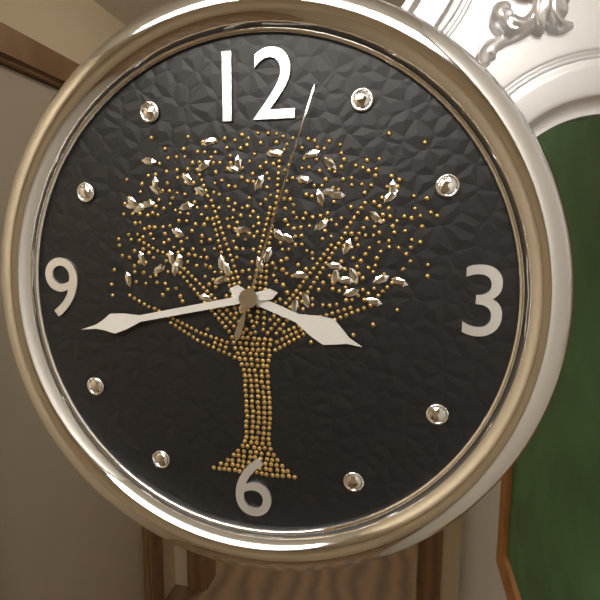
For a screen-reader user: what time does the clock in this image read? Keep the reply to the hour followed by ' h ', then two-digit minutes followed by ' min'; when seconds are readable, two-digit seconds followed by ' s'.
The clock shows 3 h 43 min 03 s
